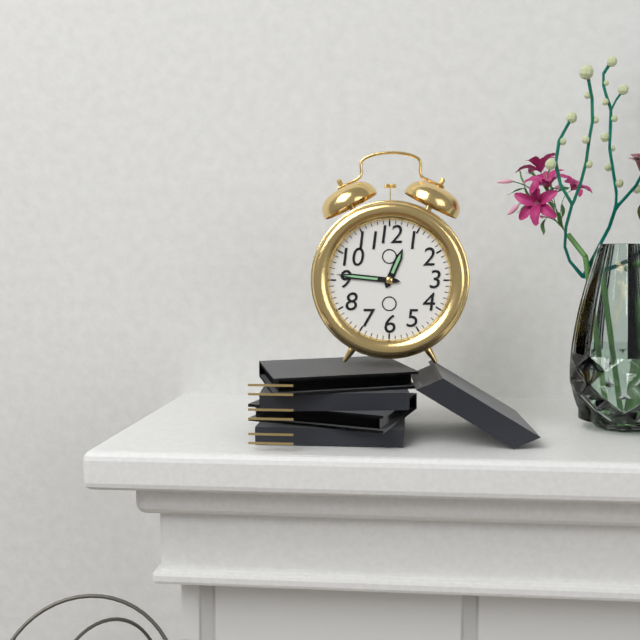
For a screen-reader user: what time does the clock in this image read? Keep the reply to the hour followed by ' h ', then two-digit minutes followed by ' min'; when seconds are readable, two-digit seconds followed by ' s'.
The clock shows 12 h 46 min
